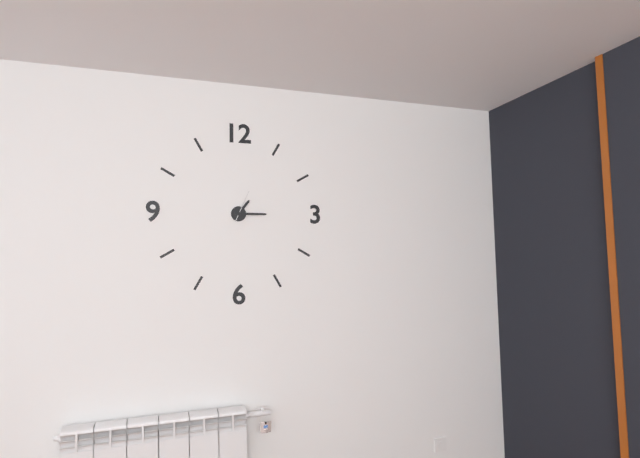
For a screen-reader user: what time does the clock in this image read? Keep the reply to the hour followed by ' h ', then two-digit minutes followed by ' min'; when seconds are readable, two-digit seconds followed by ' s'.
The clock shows 1 h 15 min
